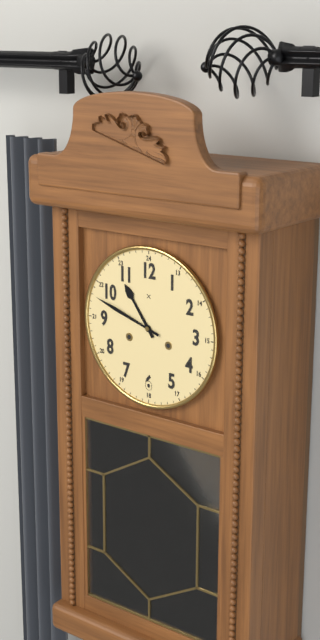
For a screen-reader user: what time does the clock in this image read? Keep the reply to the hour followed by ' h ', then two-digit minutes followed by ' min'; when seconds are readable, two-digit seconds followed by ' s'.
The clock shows 10 h 48 min
